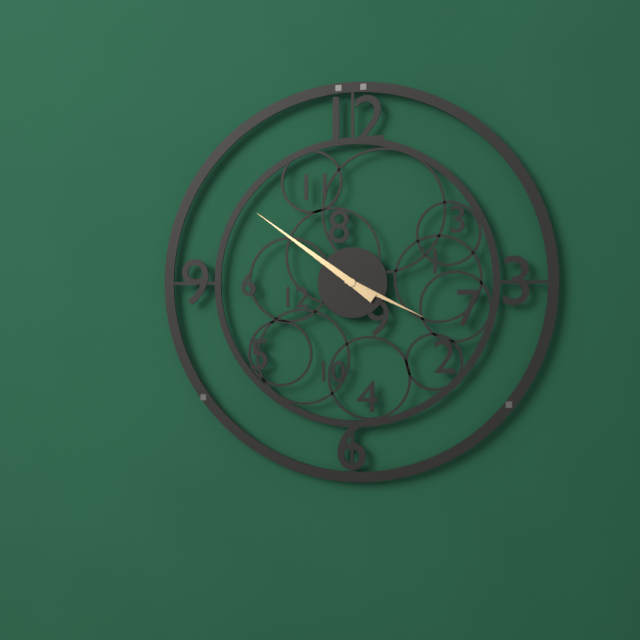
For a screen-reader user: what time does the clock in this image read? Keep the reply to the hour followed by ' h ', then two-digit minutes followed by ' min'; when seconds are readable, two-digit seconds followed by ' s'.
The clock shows 3 h 51 min
